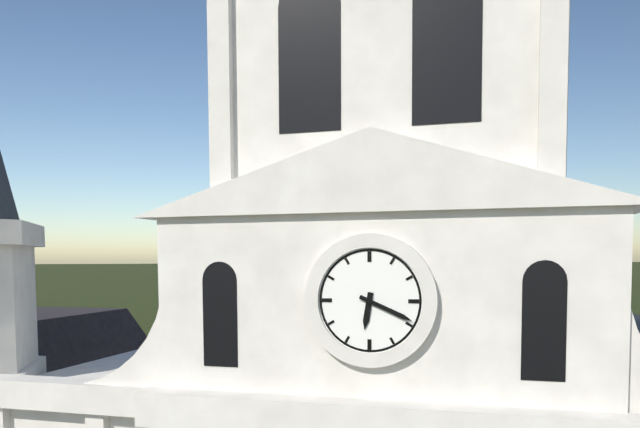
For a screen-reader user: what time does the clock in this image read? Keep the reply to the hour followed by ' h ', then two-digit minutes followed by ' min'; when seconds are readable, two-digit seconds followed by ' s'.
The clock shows 6 h 19 min
